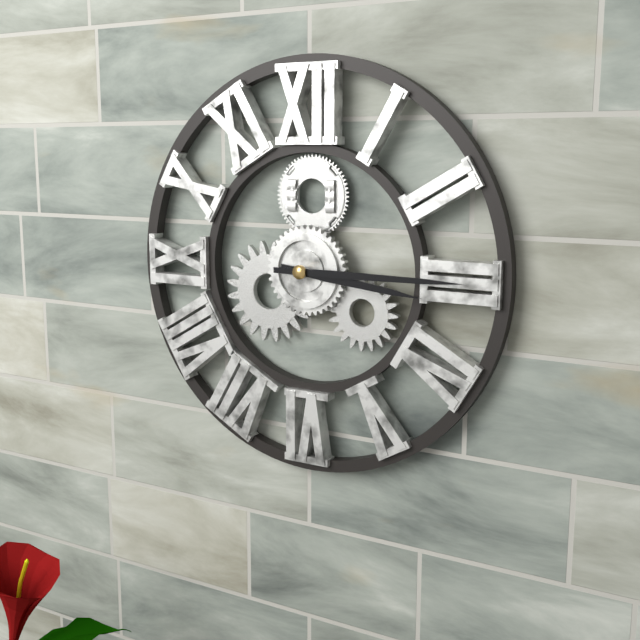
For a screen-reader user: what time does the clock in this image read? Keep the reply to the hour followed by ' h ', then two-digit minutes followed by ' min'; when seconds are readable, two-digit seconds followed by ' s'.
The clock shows 3 h 15 min
